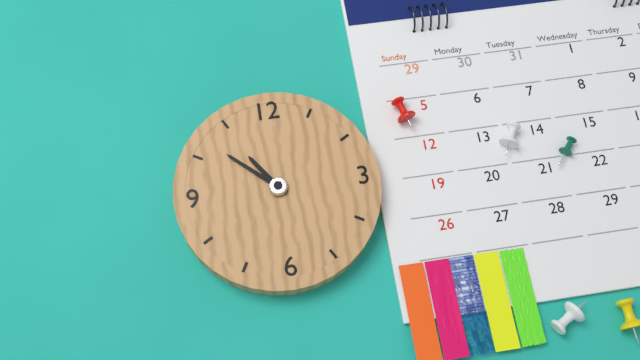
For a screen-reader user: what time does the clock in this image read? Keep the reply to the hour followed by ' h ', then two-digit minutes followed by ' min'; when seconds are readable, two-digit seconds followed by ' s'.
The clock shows 10 h 52 min
